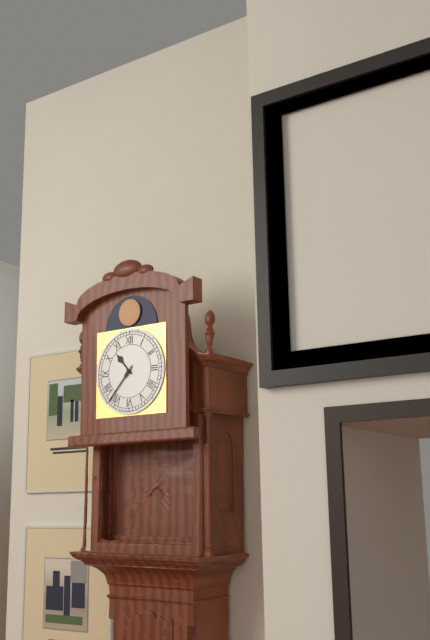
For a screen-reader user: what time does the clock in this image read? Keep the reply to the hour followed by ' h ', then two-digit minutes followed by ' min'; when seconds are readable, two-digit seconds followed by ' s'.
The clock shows 10 h 37 min
